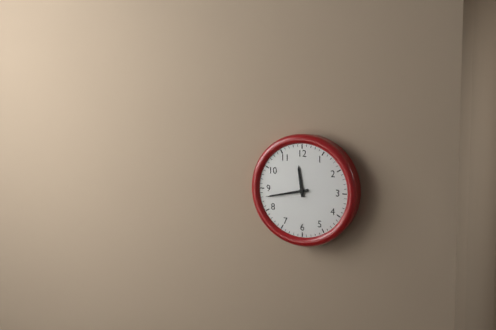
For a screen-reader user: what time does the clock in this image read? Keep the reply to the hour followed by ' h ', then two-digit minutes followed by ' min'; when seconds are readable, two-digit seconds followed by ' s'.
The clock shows 11 h 43 min
